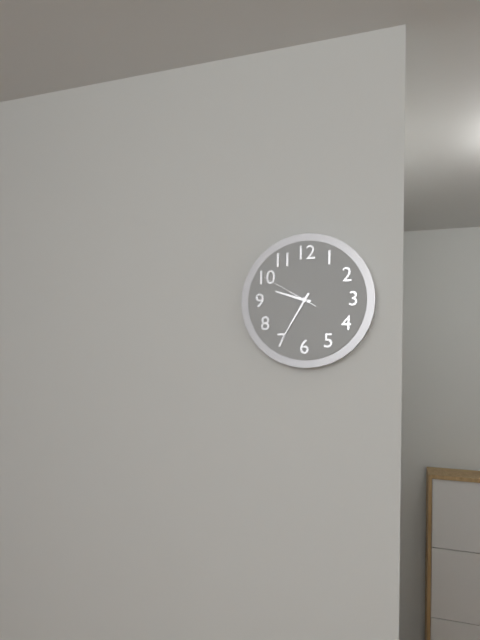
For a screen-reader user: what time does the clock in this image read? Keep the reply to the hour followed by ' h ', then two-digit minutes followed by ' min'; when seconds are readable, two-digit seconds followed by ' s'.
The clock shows 9 h 35 min 50 s
